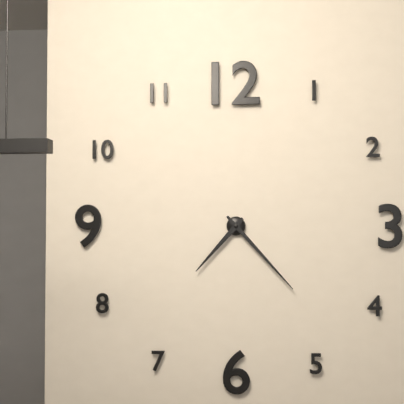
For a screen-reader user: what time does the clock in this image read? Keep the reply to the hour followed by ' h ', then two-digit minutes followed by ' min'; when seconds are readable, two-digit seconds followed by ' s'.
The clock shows 7 h 23 min
